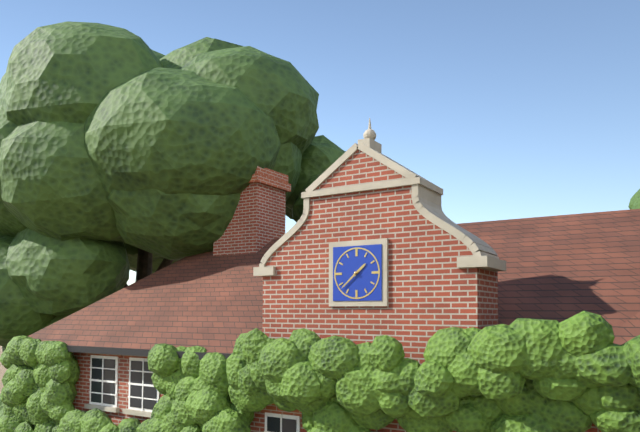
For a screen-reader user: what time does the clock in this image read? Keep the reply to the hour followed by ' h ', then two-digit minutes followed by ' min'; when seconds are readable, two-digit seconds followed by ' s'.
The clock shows 1 h 38 min
